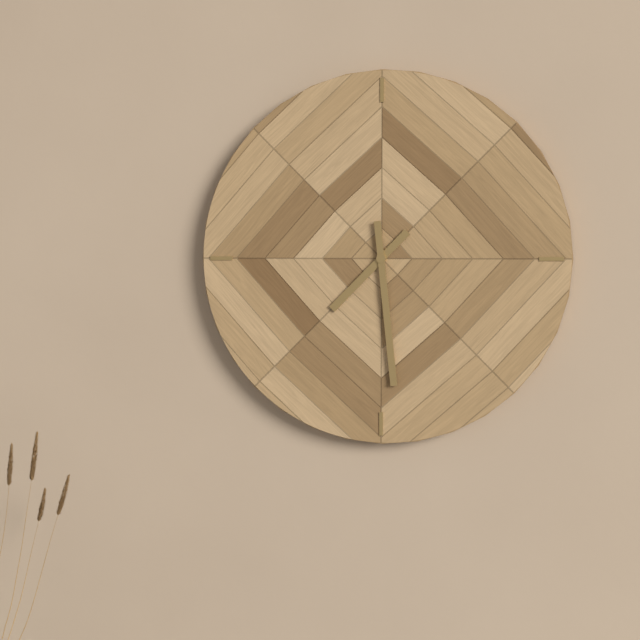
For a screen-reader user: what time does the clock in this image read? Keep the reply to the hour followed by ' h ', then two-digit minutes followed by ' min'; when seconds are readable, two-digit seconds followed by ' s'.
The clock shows 7 h 29 min
